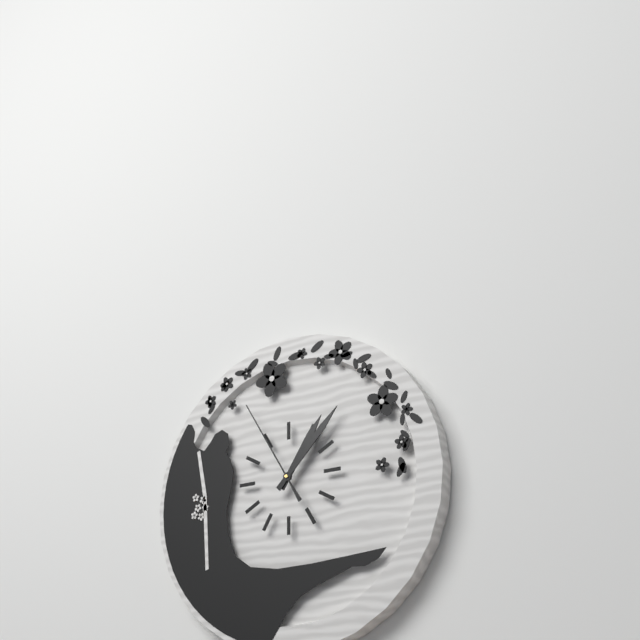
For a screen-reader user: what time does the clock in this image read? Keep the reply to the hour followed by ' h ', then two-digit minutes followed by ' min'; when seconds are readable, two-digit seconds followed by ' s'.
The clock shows 1 h 07 min 55 s
